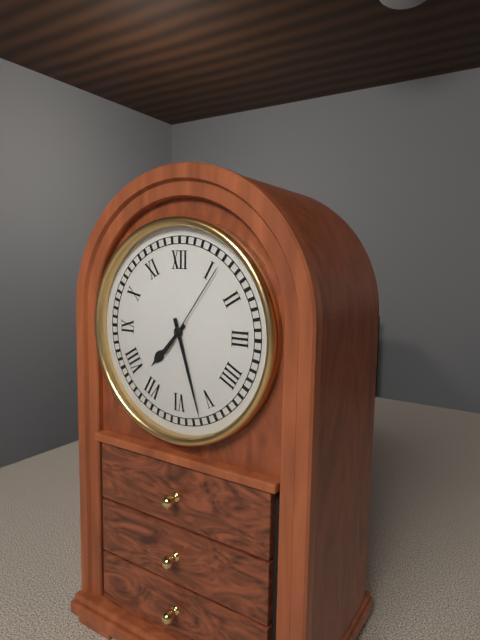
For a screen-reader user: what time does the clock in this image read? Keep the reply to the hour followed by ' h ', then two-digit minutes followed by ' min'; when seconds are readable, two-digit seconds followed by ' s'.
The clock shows 7 h 27 min 06 s
